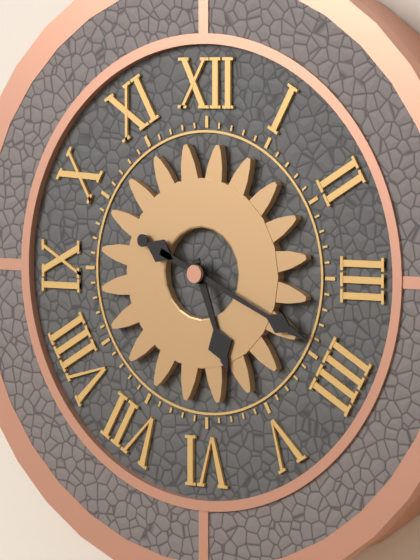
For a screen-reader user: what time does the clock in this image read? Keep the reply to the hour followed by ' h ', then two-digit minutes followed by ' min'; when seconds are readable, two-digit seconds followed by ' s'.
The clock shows 5 h 19 min
